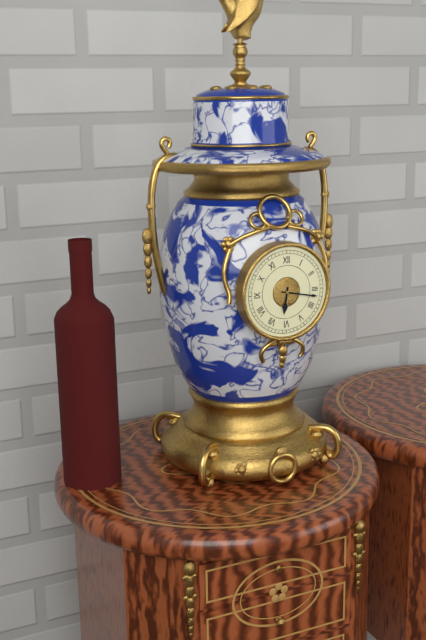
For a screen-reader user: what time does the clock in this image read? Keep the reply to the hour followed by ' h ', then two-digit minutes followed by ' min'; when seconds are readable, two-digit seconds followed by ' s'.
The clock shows 6 h 17 min
